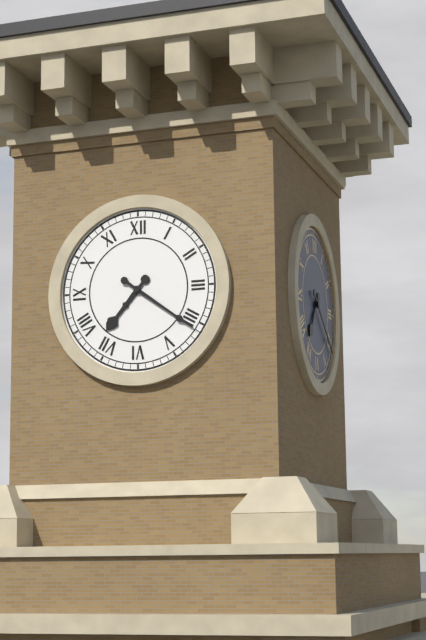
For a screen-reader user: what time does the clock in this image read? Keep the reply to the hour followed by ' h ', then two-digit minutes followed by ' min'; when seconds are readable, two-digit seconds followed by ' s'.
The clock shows 7 h 21 min
